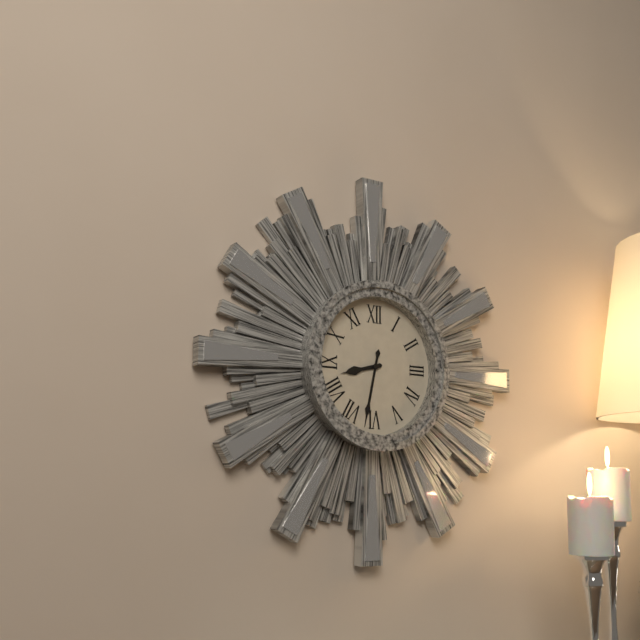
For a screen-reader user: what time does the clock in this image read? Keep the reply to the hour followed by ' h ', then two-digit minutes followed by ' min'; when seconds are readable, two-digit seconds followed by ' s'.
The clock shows 8 h 32 min
